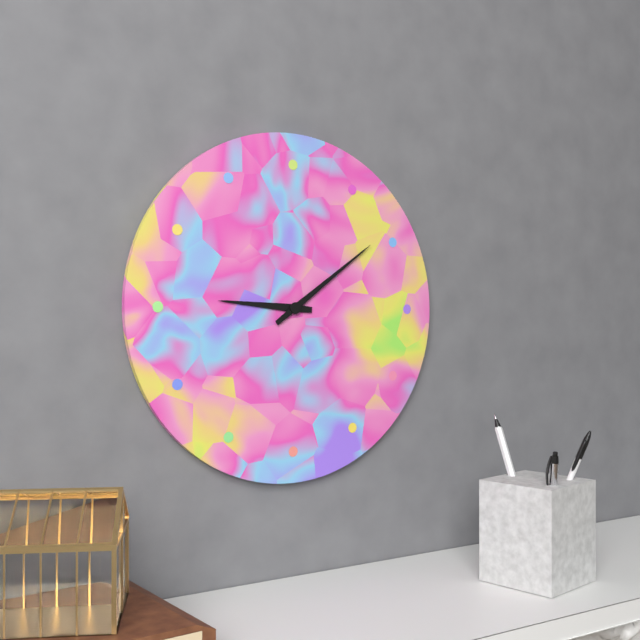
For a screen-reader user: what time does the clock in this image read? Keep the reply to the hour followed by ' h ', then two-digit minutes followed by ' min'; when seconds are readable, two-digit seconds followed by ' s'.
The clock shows 9 h 09 min
